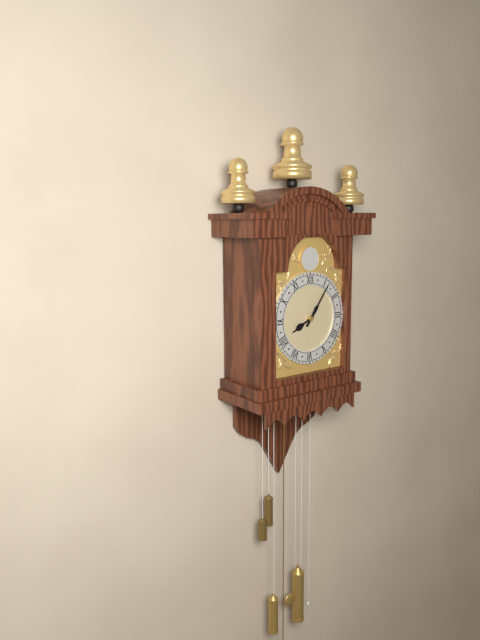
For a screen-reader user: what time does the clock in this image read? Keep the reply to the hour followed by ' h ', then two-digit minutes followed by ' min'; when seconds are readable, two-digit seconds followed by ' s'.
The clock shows 8 h 06 min
